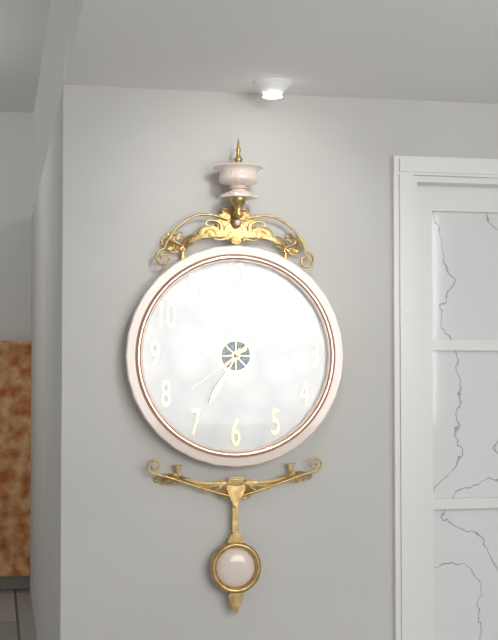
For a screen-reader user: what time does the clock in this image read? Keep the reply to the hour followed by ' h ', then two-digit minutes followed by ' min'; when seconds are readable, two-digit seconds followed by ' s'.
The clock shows 1 h 35 min 39 s
